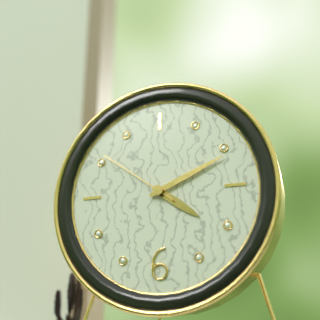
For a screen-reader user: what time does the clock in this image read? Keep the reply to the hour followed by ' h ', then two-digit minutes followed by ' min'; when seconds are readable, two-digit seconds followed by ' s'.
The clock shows 4 h 11 min 51 s
